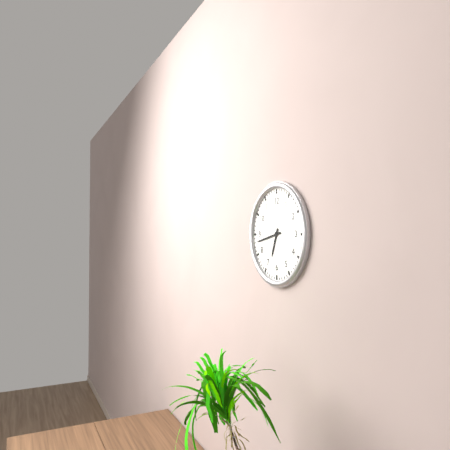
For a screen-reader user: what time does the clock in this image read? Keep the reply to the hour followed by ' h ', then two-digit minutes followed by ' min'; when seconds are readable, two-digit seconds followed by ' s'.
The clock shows 6 h 43 min
